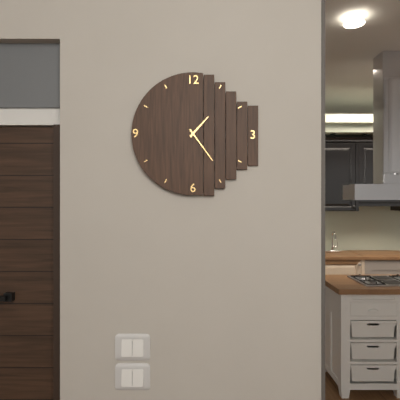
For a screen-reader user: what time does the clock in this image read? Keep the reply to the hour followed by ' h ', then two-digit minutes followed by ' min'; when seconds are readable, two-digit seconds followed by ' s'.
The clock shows 1 h 24 min
